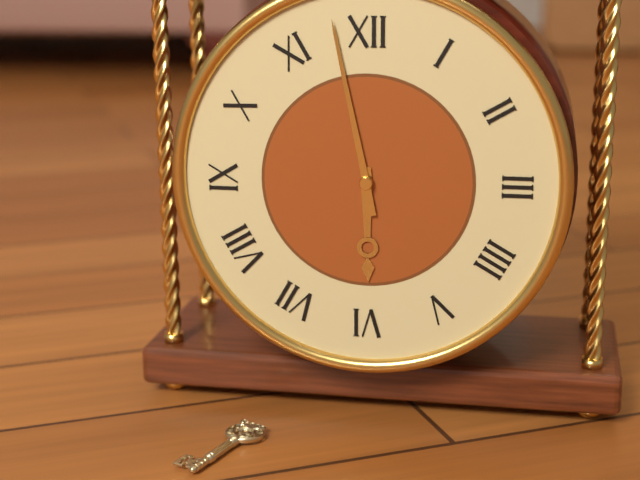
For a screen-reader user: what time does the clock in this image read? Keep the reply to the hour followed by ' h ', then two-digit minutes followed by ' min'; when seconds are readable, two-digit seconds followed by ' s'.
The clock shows 5 h 58 min
